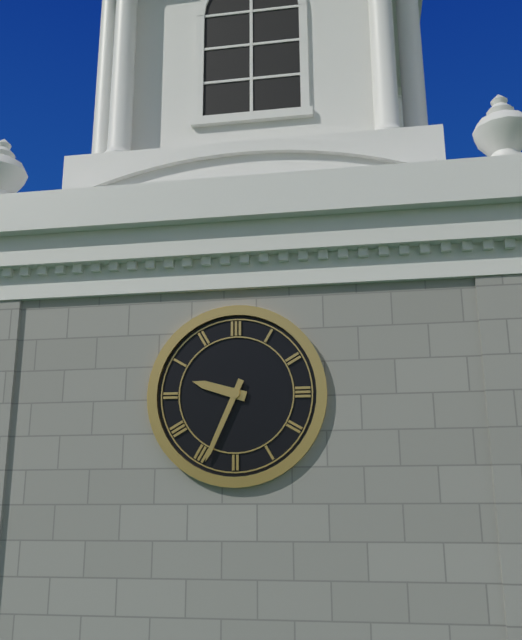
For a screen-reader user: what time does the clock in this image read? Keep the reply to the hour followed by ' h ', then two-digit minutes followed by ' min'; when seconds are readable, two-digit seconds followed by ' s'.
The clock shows 9 h 34 min
